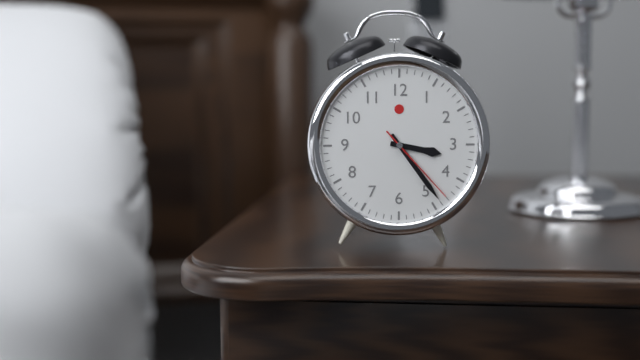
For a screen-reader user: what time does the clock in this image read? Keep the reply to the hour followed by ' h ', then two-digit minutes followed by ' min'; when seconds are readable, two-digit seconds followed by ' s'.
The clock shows 3 h 24 min 23 s
